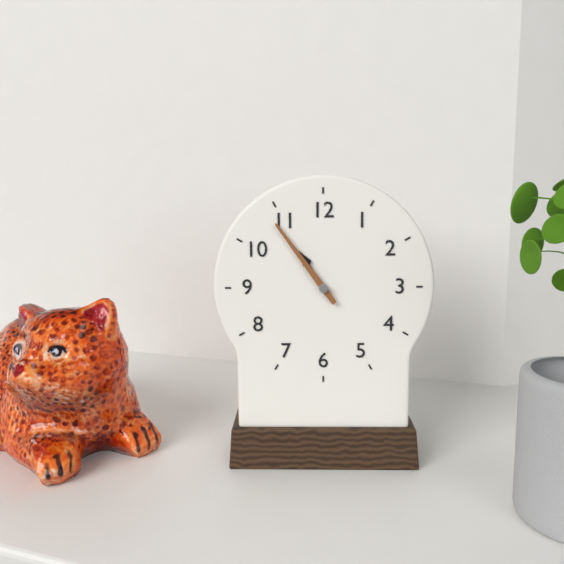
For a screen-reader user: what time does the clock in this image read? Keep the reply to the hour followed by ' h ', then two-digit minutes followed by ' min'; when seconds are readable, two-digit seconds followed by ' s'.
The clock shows 10 h 54 min
